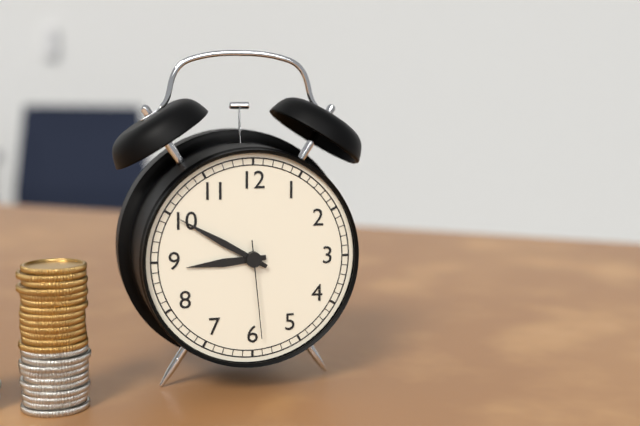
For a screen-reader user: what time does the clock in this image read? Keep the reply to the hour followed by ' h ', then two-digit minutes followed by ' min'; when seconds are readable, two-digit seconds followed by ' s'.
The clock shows 8 h 50 min 29 s
